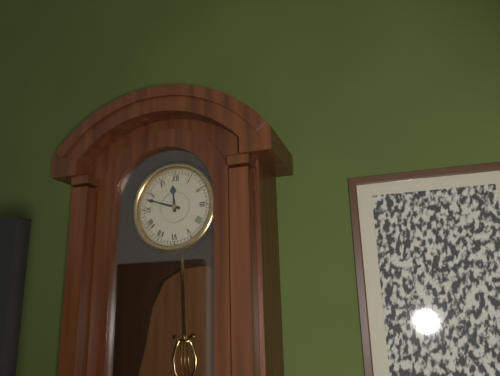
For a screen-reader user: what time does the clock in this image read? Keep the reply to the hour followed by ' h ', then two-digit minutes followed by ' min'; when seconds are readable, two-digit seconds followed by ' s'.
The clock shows 11 h 48 min
